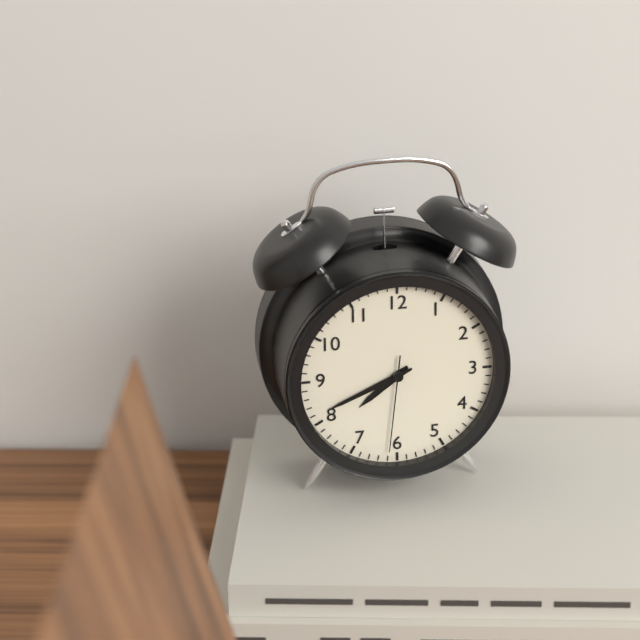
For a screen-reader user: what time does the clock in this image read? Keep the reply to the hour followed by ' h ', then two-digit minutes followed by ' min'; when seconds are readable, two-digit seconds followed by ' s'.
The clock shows 7 h 41 min 31 s
